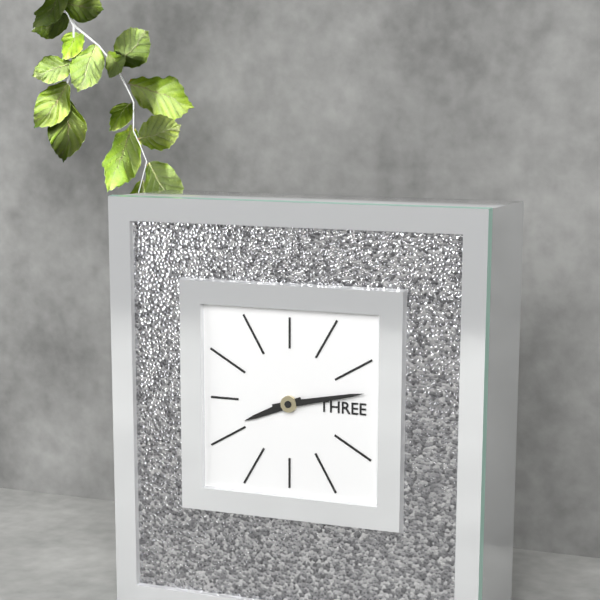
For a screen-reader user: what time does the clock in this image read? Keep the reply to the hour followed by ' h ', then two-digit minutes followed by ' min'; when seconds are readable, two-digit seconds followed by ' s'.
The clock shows 8 h 13 min
